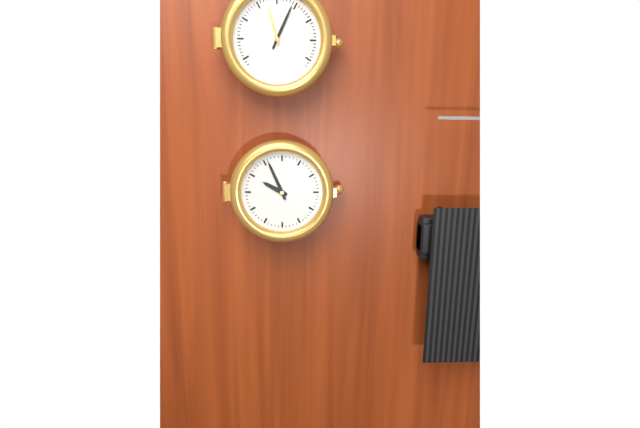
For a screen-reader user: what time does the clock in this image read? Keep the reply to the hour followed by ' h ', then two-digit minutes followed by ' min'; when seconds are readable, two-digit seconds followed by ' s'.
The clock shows 9 h 56 min
